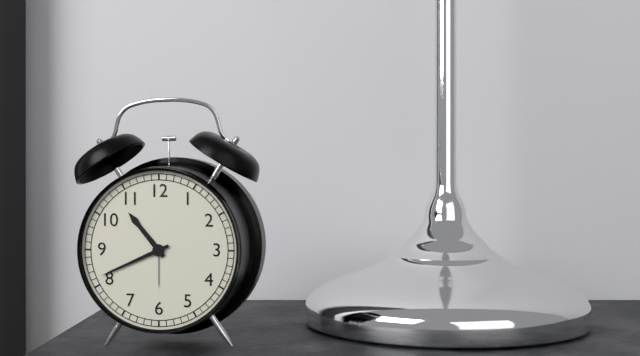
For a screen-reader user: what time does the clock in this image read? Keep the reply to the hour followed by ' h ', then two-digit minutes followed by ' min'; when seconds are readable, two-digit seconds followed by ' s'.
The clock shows 10 h 41 min
